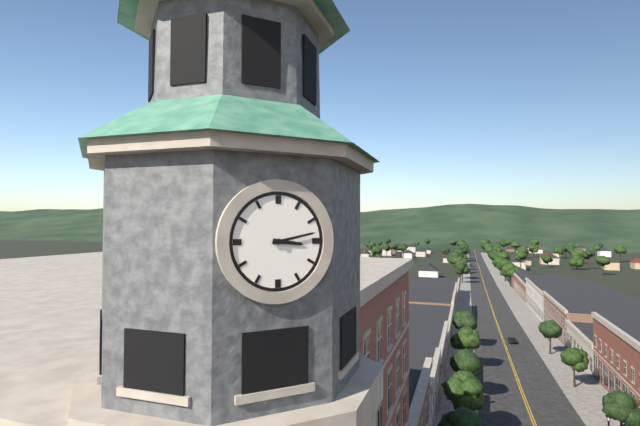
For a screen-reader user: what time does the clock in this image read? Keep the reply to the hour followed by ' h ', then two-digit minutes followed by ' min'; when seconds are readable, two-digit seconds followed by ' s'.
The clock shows 3 h 13 min
